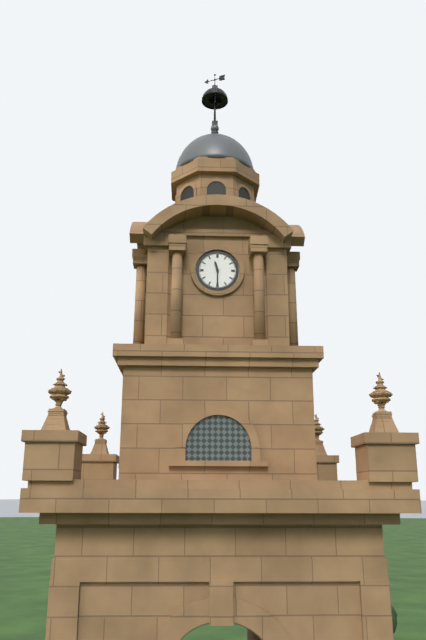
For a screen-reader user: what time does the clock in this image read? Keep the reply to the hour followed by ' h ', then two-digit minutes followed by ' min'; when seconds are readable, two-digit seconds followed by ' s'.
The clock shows 11 h 30 min
